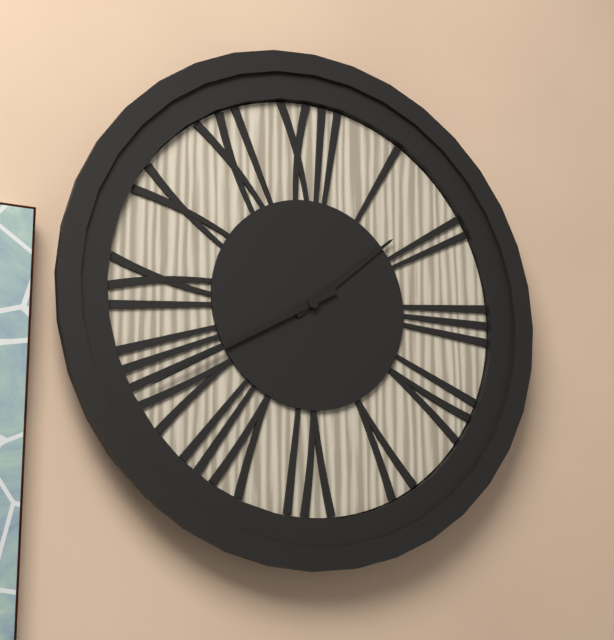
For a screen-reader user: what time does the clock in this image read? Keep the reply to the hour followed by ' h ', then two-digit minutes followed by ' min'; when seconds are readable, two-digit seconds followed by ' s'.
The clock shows 1 h 40 min
